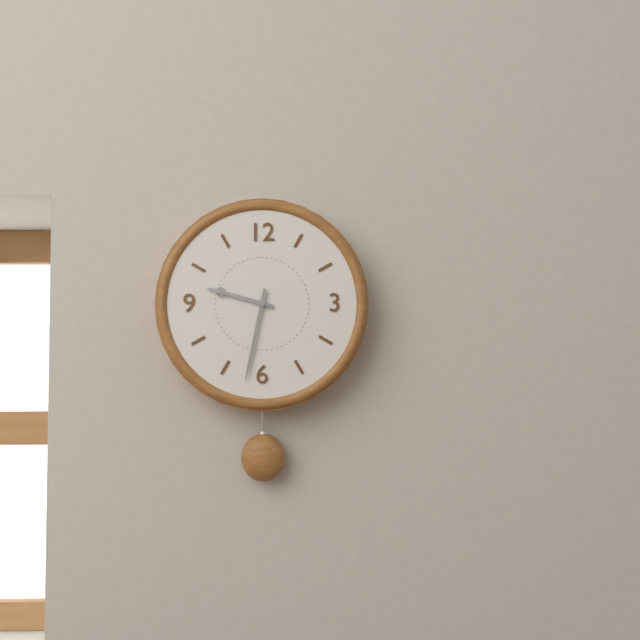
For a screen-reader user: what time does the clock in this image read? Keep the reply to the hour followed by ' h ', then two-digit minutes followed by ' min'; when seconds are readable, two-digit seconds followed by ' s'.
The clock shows 9 h 32 min
